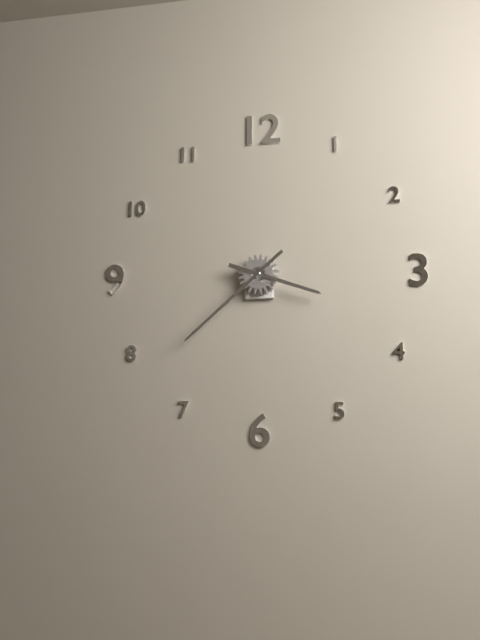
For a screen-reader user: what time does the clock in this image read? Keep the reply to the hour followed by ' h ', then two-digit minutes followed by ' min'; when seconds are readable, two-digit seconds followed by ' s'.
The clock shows 3 h 38 min
